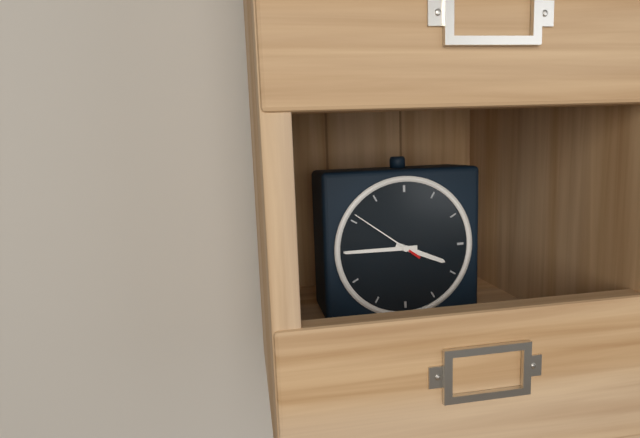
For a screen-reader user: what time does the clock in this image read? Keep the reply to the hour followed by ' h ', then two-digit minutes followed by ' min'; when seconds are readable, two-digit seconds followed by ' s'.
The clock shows 3 h 45 min 51 s
